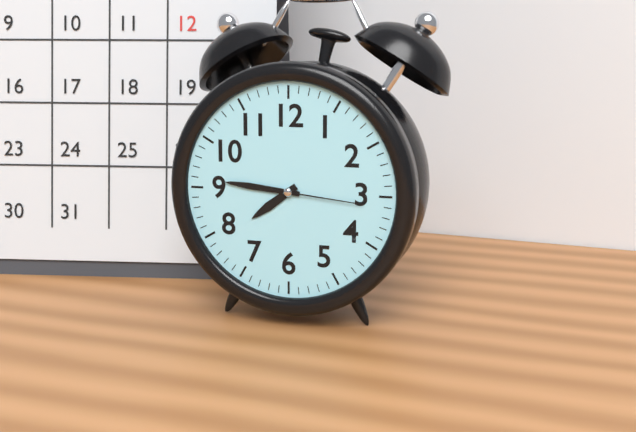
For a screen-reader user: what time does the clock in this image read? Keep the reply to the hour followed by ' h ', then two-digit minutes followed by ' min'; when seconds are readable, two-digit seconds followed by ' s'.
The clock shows 7 h 46 min 16 s
